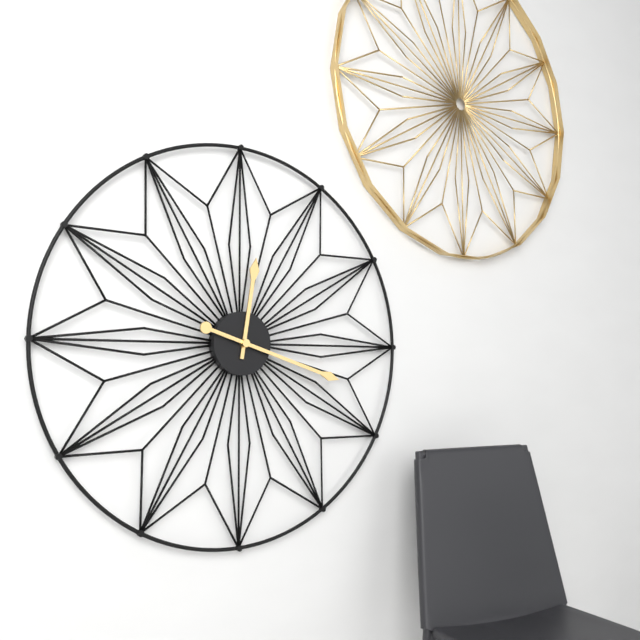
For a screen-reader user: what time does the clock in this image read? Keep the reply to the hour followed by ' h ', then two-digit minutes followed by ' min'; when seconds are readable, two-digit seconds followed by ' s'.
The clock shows 12 h 18 min
